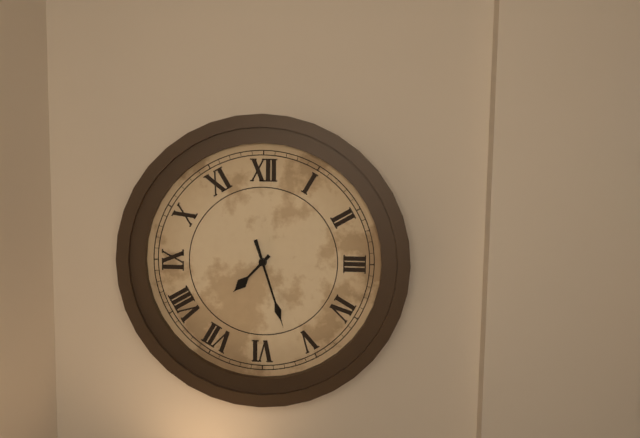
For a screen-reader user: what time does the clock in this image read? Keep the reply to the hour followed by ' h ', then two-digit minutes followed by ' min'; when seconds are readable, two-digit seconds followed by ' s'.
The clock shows 7 h 27 min
